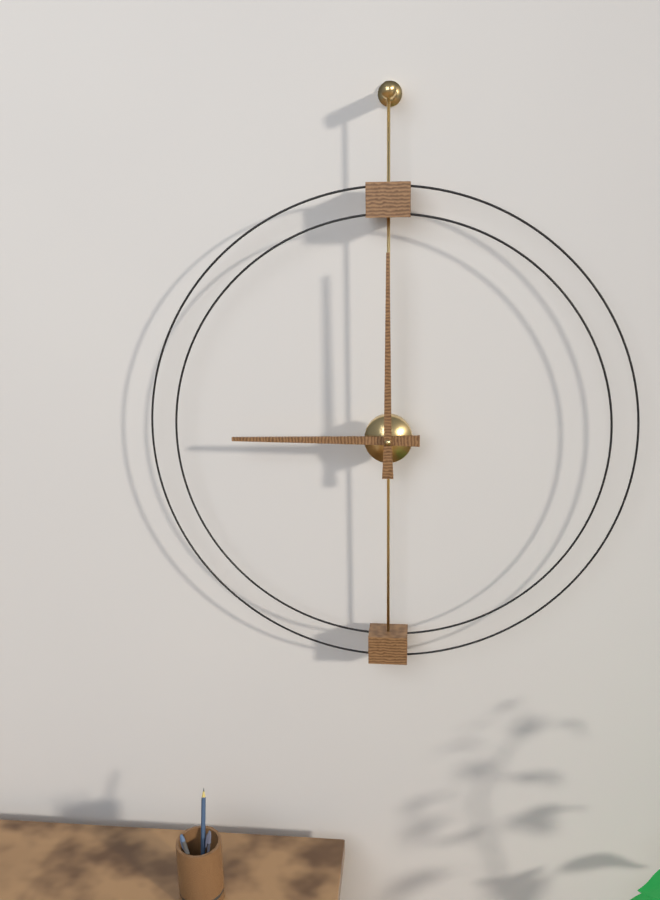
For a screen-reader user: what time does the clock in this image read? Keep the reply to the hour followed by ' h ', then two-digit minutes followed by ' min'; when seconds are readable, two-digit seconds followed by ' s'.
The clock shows 9 h 00 min
